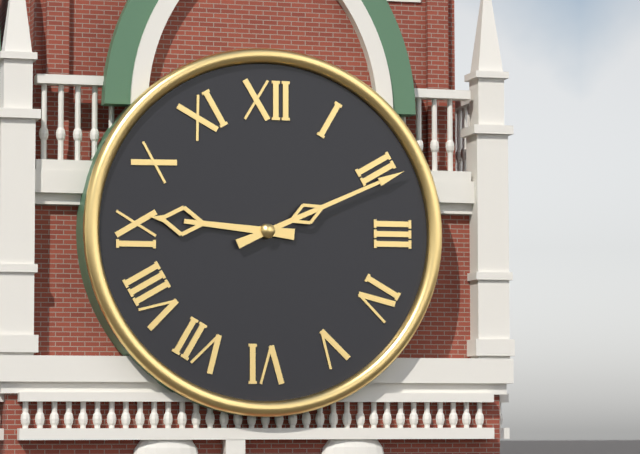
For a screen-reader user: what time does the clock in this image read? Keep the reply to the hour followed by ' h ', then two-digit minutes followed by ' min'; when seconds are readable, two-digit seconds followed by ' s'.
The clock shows 9 h 11 min
